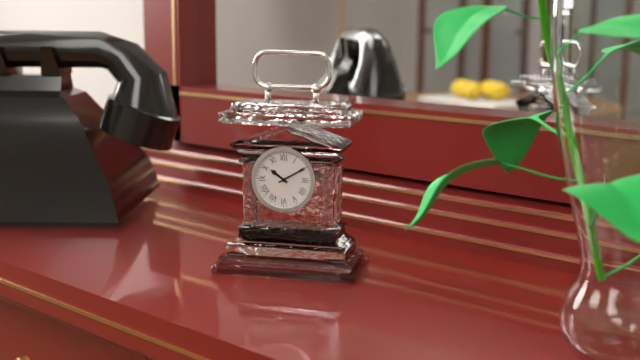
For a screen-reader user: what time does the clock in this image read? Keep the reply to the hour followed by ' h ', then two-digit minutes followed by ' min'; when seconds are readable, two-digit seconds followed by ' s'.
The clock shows 10 h 10 min
